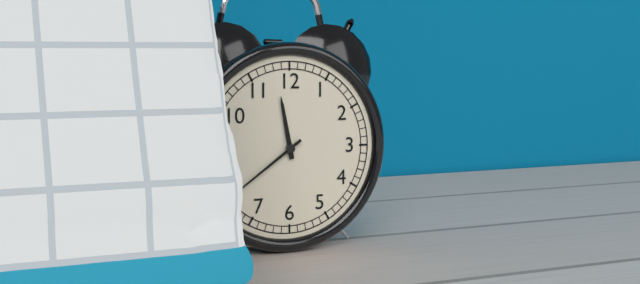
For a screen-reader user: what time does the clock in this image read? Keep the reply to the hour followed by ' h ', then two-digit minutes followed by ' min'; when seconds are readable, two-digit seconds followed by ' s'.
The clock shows 11 h 39 min
